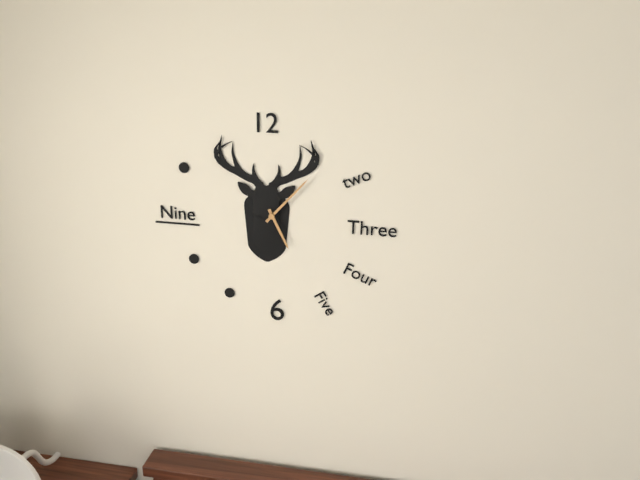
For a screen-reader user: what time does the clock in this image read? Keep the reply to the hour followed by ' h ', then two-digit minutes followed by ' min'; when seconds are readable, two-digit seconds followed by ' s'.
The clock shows 5 h 07 min
